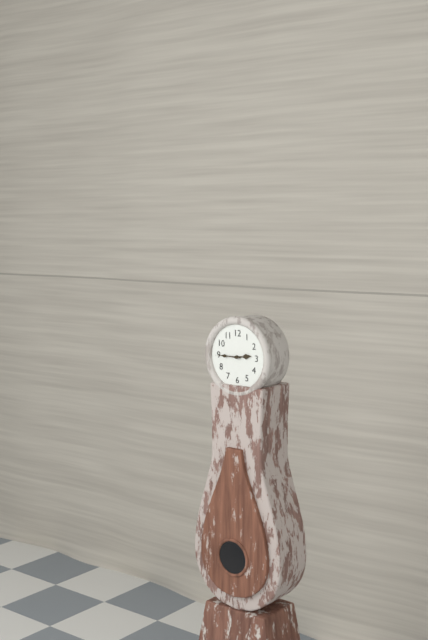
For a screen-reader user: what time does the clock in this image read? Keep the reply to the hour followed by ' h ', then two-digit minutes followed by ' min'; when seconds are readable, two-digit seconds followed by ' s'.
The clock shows 2 h 45 min
